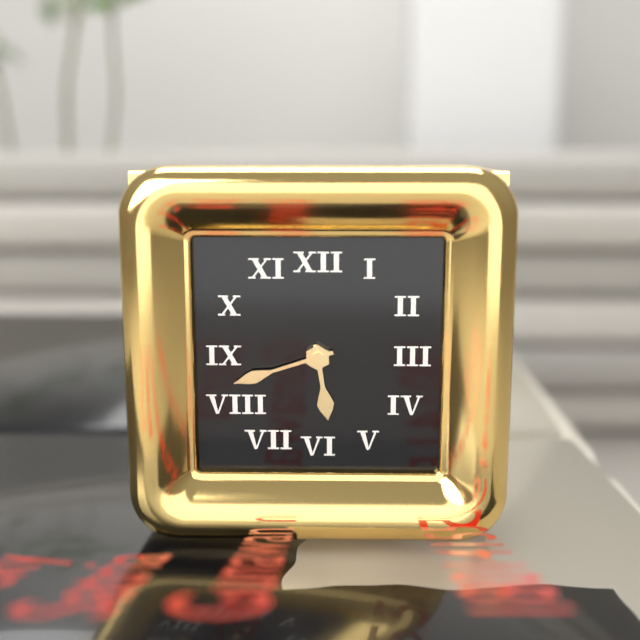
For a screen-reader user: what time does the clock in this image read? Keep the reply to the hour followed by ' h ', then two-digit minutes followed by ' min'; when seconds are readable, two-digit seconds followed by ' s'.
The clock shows 5 h 42 min
